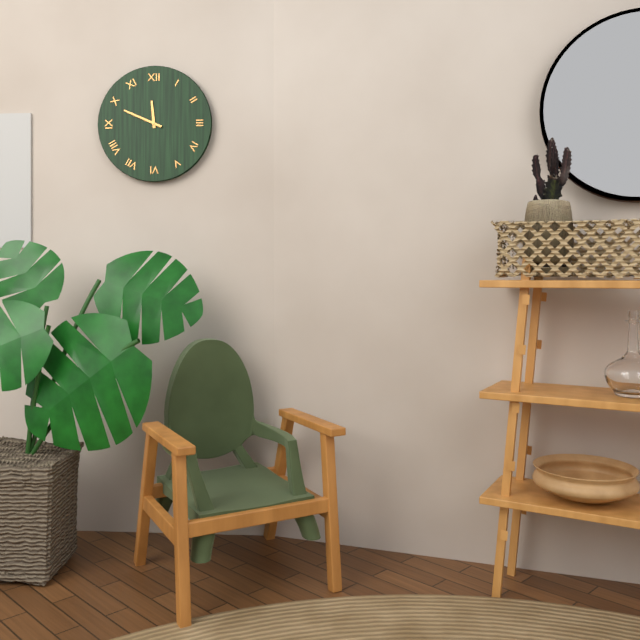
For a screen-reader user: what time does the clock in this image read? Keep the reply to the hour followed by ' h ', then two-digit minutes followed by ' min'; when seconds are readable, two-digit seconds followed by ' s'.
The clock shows 11 h 49 min
